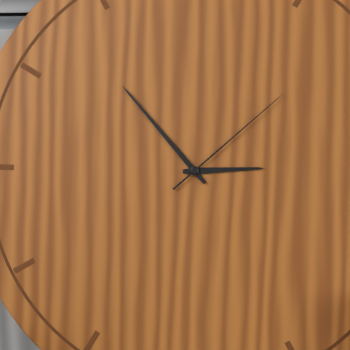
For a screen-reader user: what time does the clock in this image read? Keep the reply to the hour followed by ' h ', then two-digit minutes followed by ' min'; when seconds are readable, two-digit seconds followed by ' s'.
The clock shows 2 h 53 min 08 s
